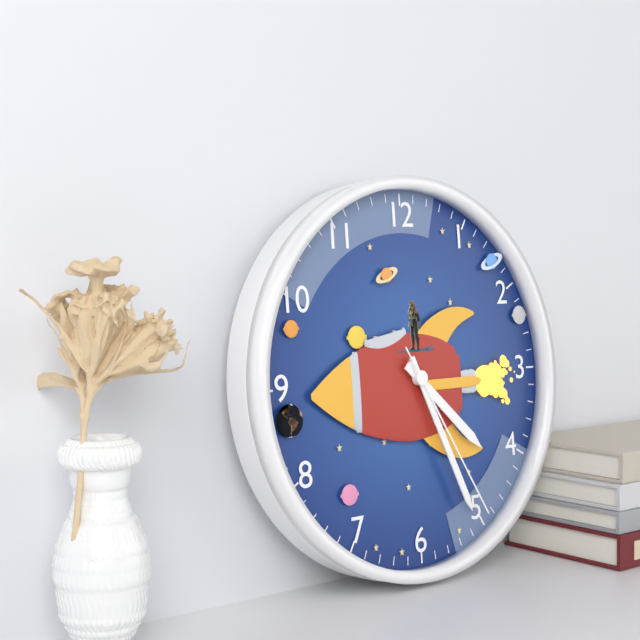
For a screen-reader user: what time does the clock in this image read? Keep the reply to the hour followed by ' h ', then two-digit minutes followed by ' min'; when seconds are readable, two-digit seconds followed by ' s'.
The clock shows 4 h 26 min 25 s
